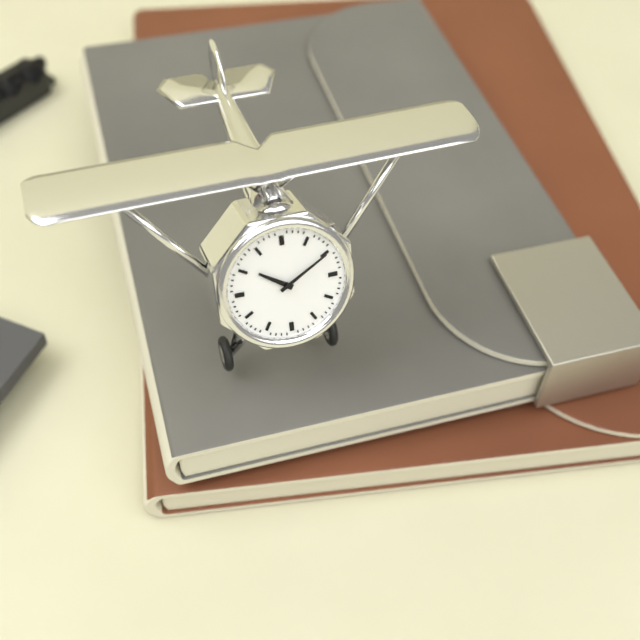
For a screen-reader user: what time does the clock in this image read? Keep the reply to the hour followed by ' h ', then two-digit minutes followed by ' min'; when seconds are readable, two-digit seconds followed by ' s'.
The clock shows 10 h 10 min
